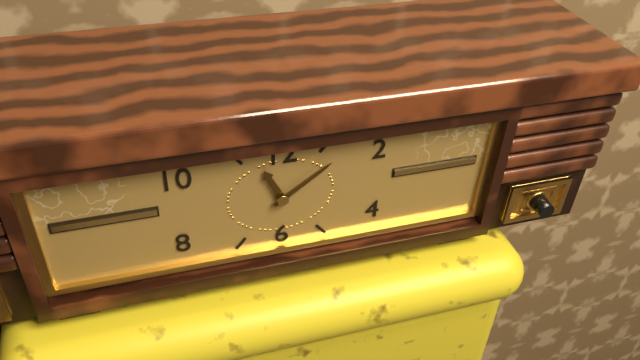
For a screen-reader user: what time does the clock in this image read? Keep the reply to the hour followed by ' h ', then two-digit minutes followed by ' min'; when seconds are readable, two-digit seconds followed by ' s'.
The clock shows 11 h 09 min
